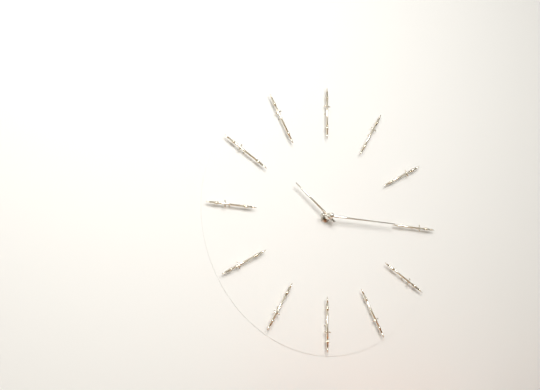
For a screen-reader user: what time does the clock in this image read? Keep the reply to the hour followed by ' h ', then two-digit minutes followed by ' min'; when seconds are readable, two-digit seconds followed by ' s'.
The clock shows 10 h 15 min
